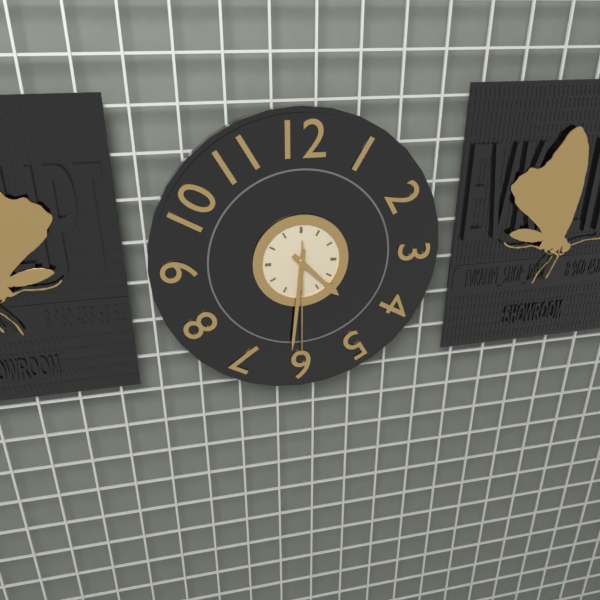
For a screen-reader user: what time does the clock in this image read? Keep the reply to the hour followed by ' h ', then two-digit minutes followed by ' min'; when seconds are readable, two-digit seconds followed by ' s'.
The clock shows 4 h 31 min 30 s
